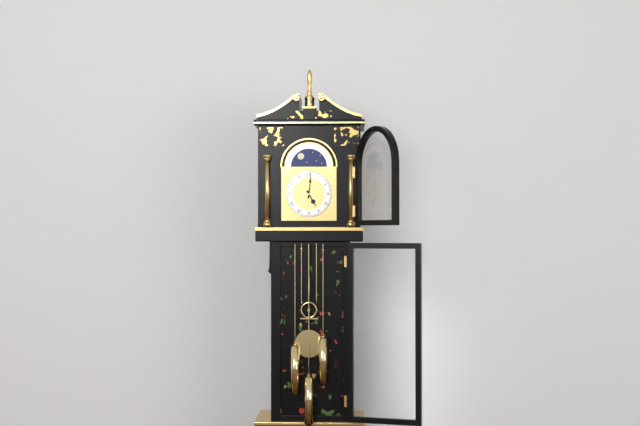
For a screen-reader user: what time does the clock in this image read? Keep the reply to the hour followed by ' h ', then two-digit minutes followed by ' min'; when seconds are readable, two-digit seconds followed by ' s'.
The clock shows 5 h 01 min
